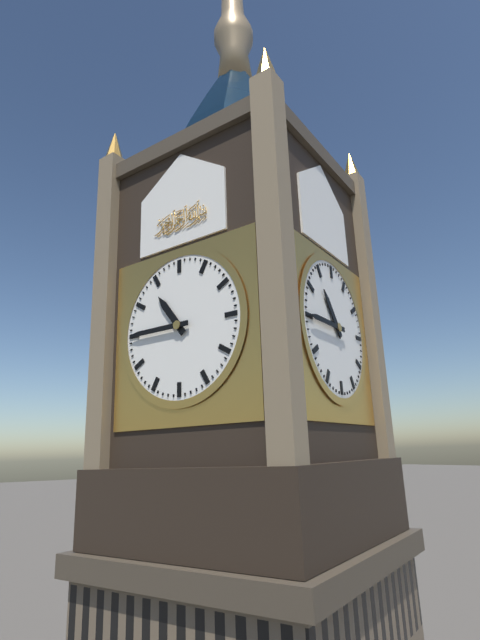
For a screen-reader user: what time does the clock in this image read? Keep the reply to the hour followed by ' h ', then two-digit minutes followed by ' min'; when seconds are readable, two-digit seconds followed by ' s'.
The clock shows 10 h 45 min
